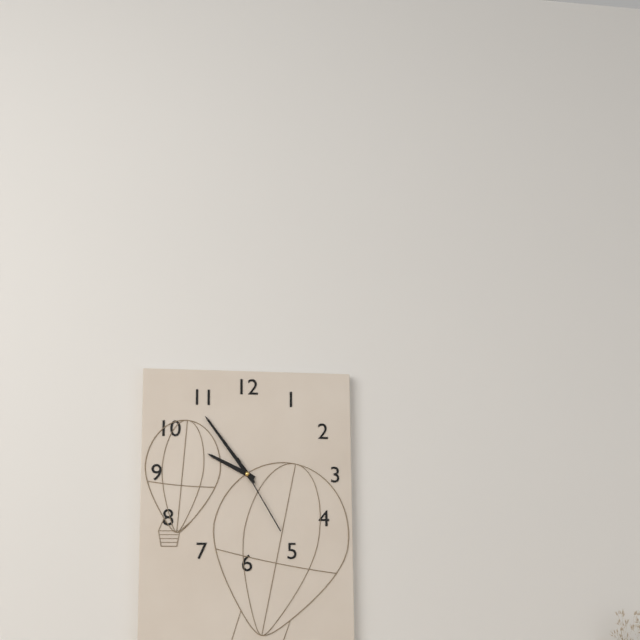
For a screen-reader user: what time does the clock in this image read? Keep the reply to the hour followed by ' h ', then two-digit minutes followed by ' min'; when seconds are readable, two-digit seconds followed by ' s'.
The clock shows 9 h 54 min 25 s
